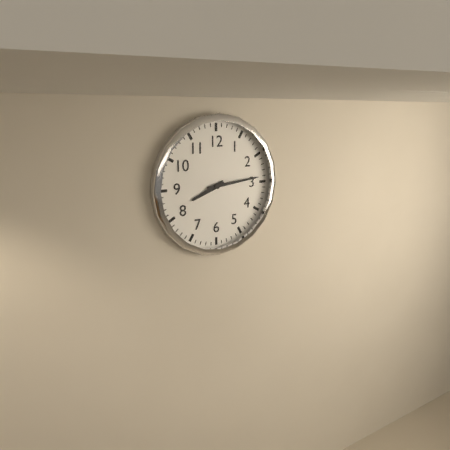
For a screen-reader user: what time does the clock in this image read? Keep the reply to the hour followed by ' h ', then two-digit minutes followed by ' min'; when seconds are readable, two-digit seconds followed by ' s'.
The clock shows 8 h 14 min
